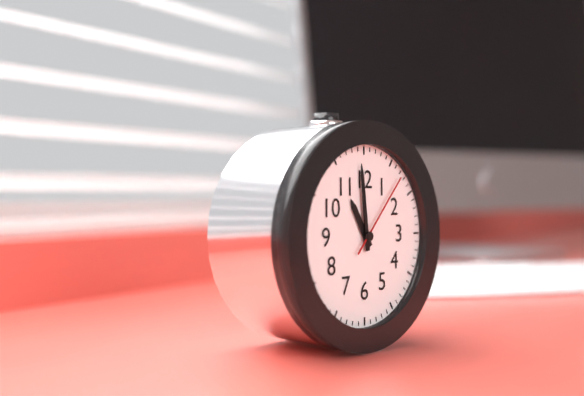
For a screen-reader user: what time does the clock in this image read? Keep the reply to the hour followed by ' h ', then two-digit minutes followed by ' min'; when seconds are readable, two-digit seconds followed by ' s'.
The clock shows 10 h 59 min 07 s
